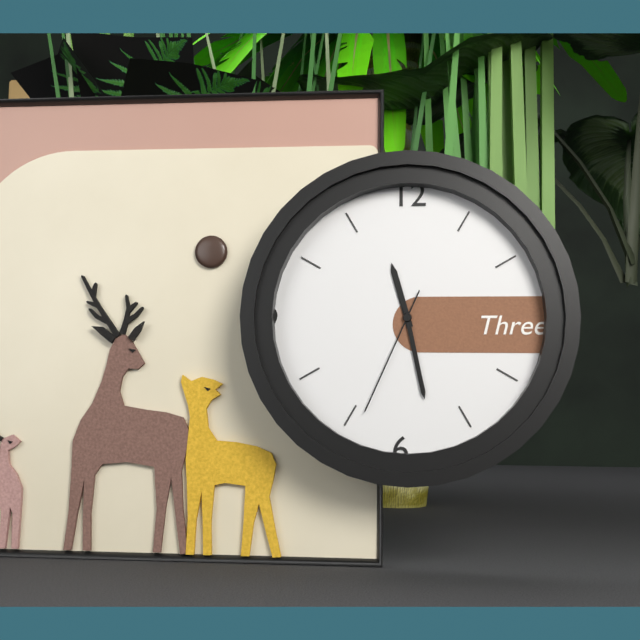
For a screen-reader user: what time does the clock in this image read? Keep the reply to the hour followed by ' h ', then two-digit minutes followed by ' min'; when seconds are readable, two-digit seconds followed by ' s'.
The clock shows 11 h 28 min 34 s
